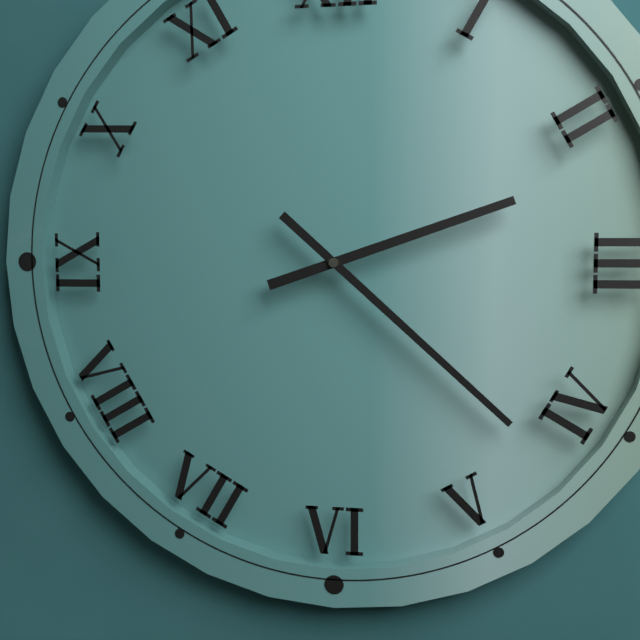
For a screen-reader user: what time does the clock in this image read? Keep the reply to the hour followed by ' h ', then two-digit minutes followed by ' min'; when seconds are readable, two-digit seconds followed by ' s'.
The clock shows 2 h 22 min
